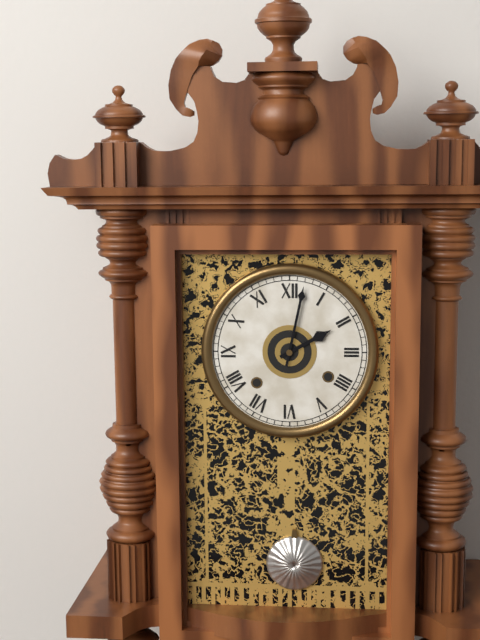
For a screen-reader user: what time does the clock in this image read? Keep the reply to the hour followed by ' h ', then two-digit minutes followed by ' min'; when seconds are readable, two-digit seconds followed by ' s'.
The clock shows 2 h 02 min
